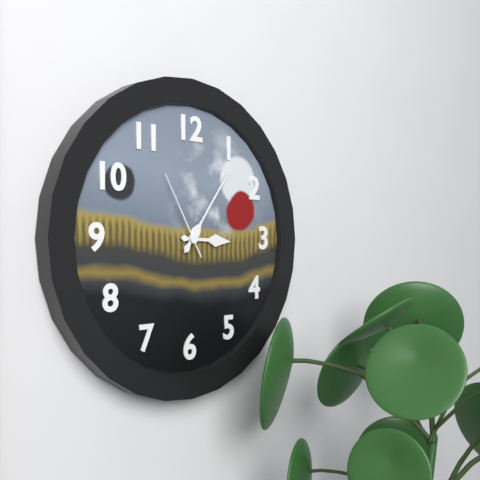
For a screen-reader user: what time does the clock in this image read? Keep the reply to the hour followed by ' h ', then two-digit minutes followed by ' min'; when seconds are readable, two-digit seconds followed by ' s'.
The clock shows 3 h 06 min 55 s
